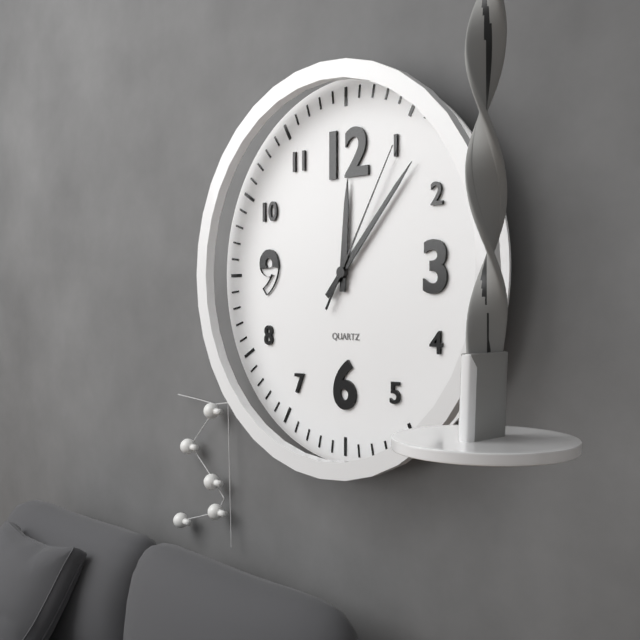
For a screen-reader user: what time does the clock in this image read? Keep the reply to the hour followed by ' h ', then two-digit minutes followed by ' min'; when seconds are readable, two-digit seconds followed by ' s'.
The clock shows 12 h 07 min 05 s
